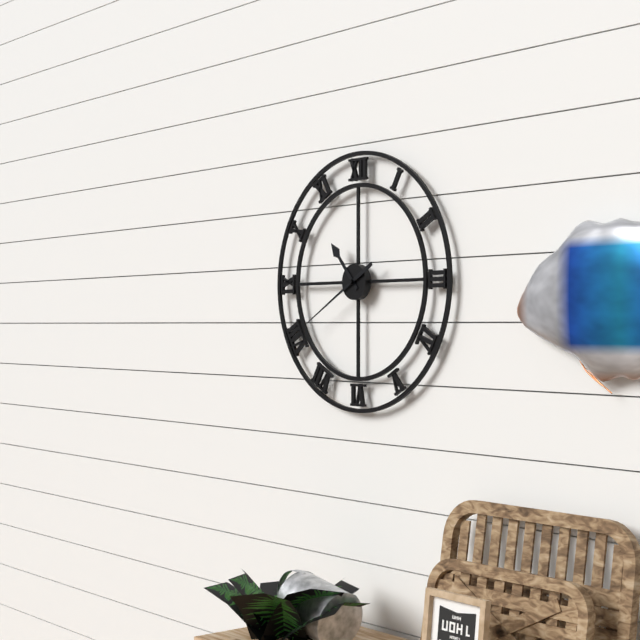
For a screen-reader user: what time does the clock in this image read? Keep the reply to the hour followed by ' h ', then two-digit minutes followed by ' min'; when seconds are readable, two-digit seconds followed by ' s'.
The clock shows 10 h 40 min
